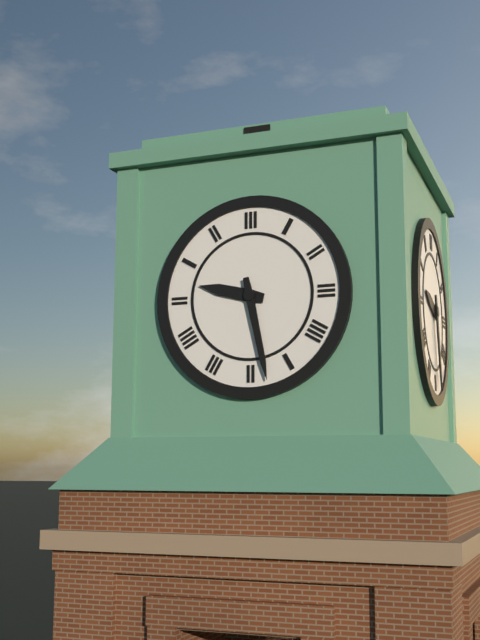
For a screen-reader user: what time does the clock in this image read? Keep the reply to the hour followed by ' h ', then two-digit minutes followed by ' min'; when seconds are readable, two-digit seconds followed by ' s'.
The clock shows 9 h 28 min
